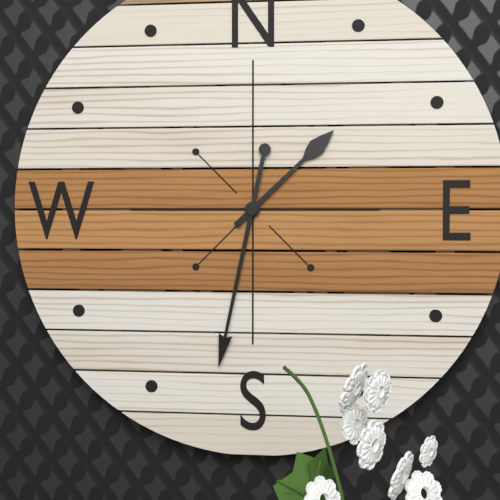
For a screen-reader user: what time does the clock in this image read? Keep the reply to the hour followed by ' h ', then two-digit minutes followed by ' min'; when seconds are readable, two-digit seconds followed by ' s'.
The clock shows 1 h 32 min
